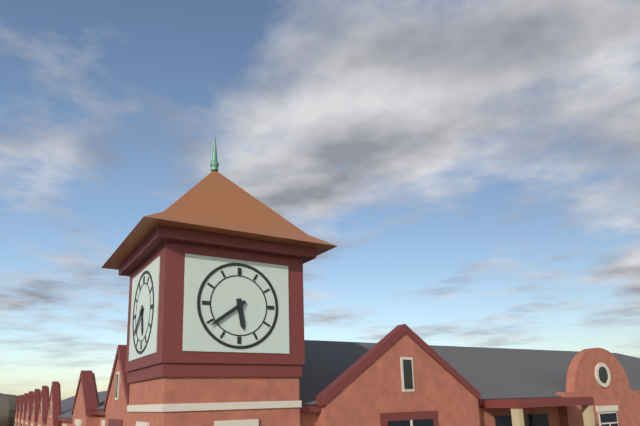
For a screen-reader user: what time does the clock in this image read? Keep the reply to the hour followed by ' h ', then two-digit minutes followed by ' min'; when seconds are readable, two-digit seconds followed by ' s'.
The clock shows 5 h 39 min
